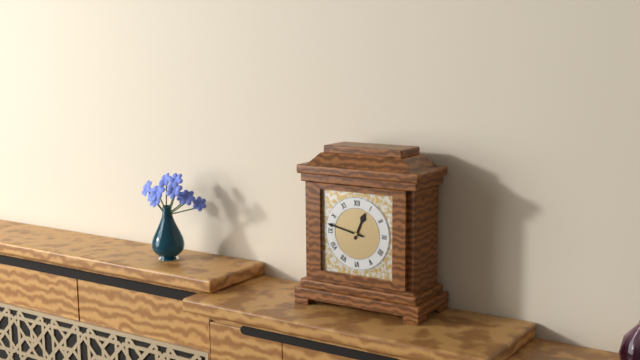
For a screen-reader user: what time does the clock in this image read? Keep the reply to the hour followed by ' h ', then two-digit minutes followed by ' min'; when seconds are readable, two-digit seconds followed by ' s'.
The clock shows 12 h 47 min
